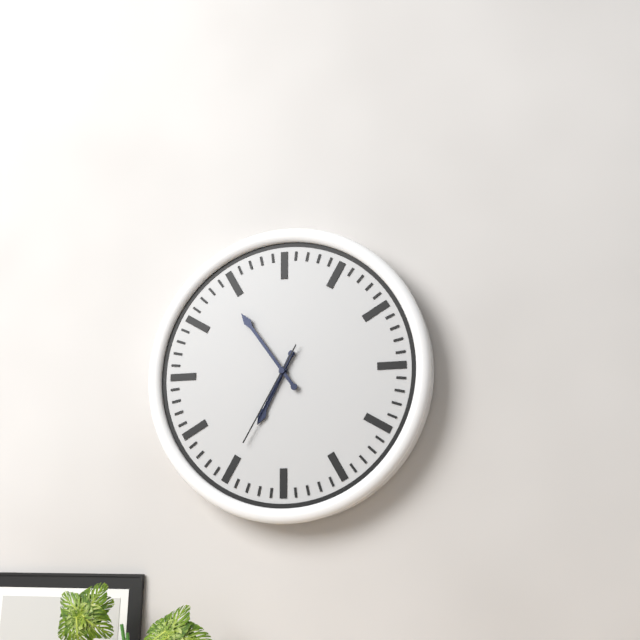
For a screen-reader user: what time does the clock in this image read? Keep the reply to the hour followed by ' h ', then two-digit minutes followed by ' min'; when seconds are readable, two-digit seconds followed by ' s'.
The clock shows 6 h 54 min 35 s
